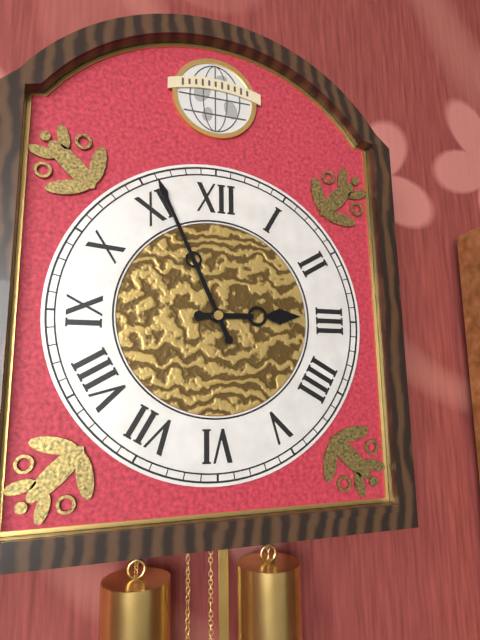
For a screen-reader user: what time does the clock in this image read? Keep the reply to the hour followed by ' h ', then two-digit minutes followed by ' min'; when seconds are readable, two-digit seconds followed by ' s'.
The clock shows 2 h 56 min
